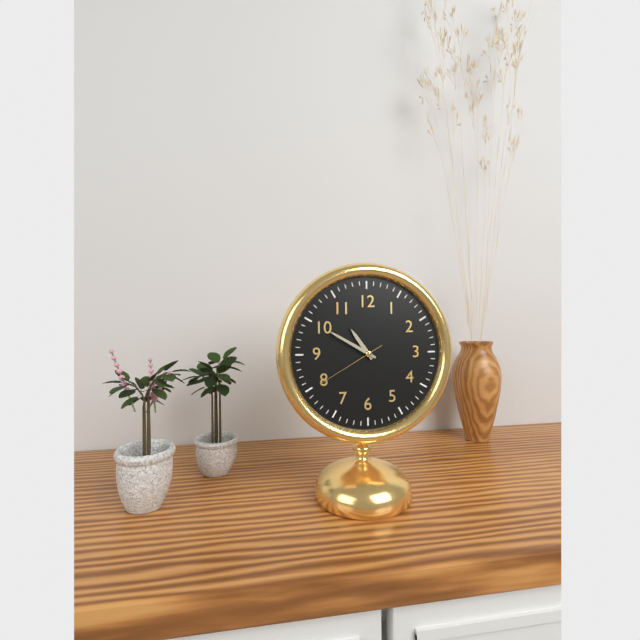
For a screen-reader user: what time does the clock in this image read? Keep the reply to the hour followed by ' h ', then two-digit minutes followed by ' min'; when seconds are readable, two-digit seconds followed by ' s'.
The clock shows 10 h 50 min 40 s
